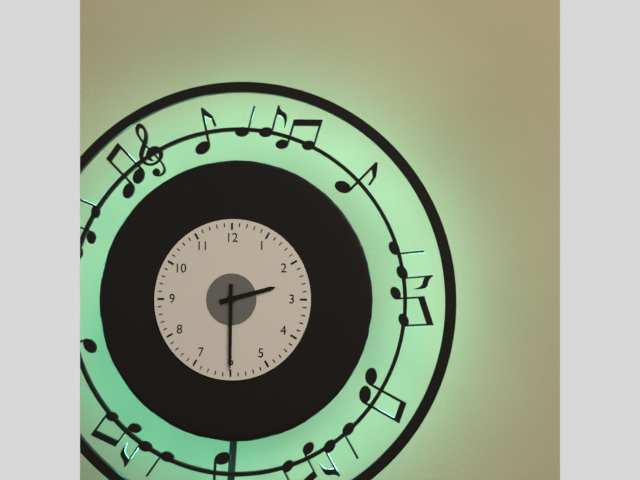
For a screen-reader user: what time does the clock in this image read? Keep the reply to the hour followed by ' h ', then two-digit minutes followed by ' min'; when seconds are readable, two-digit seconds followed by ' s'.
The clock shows 2 h 30 min
